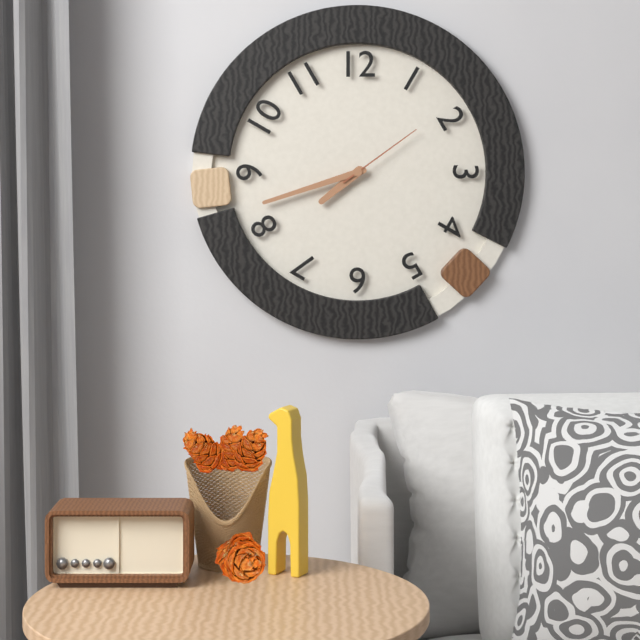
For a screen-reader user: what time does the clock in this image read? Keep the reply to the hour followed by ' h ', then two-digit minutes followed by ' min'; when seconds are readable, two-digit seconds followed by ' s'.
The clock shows 7 h 42 min 09 s
